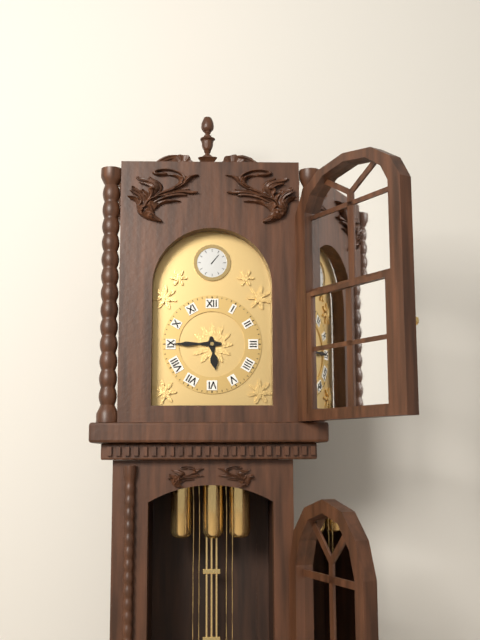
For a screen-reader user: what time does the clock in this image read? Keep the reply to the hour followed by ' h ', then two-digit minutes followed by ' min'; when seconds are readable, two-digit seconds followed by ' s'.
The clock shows 5 h 45 min
